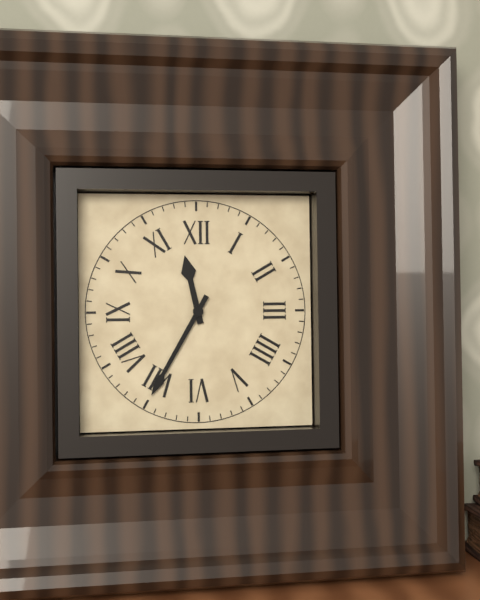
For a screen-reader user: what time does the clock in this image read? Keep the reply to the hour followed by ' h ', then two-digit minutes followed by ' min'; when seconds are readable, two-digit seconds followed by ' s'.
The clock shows 11 h 35 min
